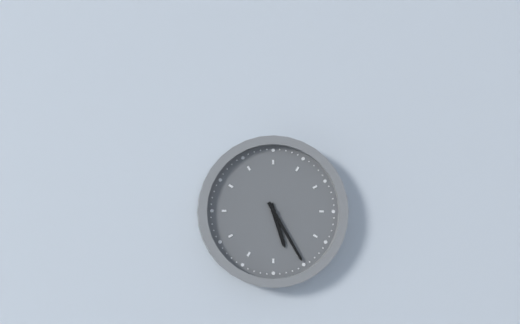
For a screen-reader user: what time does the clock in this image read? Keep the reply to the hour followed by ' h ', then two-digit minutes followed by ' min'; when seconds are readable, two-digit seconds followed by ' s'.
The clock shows 5 h 25 min
